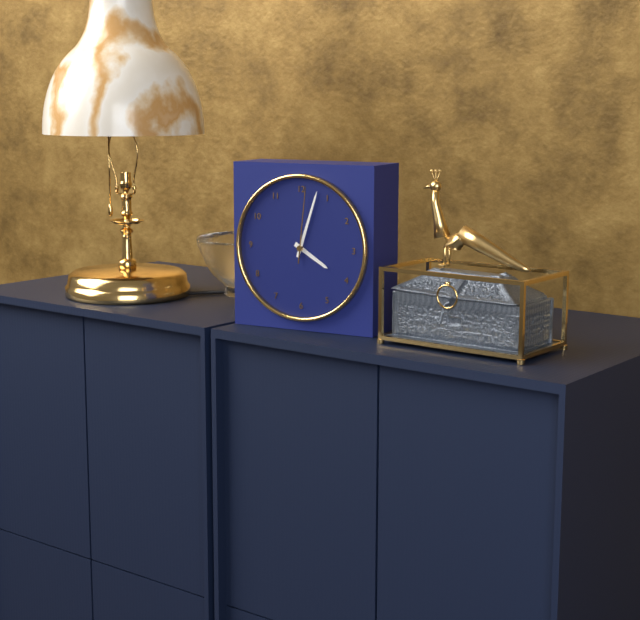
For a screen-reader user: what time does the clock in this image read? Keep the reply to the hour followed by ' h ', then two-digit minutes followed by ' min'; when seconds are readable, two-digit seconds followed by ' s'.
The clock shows 4 h 03 min 01 s
